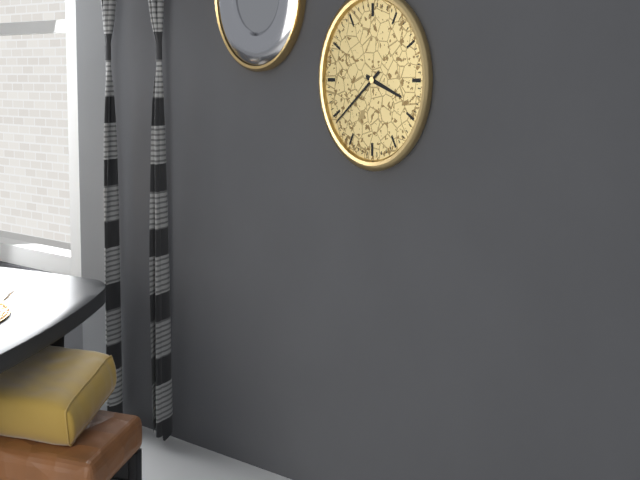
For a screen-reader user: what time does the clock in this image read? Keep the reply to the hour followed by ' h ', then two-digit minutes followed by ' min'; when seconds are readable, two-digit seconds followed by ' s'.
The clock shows 3 h 39 min
